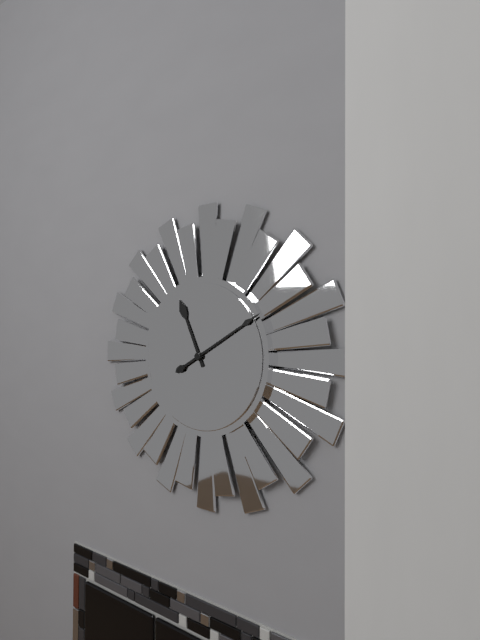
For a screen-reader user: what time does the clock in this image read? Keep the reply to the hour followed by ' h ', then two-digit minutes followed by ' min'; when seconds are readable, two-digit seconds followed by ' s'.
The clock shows 11 h 10 min
